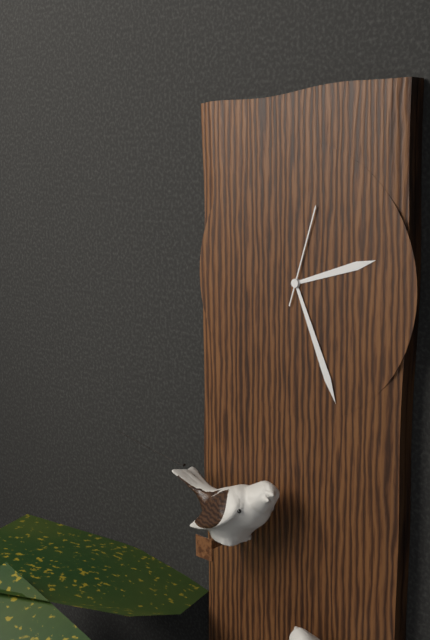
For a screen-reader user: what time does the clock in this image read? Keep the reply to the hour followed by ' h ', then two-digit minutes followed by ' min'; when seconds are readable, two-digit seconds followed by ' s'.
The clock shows 2 h 26 min 03 s
